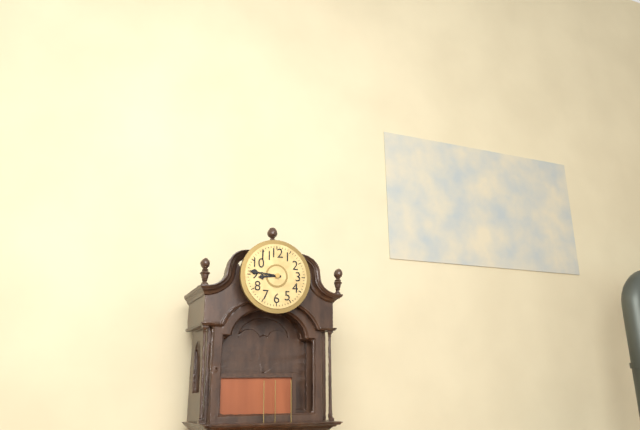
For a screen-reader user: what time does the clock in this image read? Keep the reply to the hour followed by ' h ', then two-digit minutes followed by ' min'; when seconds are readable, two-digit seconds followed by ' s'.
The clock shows 8 h 46 min
